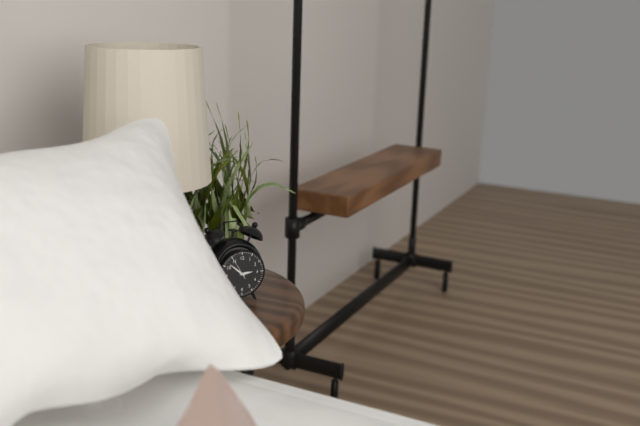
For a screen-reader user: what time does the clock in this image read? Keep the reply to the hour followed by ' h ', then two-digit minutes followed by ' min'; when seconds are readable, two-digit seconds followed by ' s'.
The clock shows 2 h 52 min
